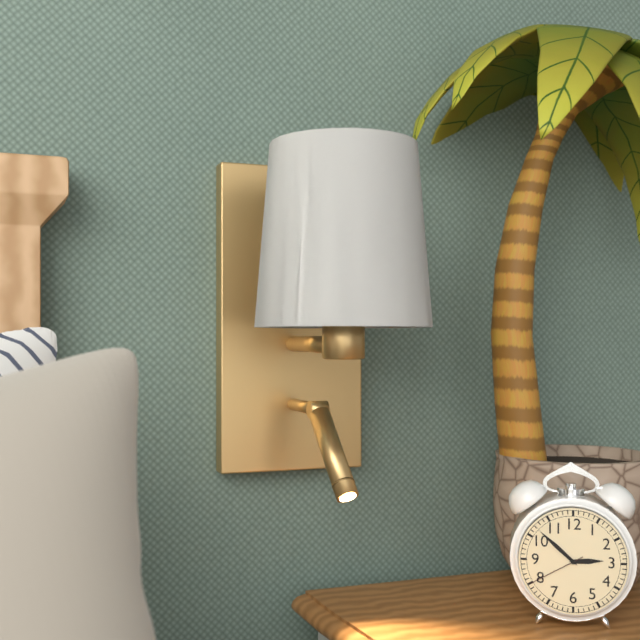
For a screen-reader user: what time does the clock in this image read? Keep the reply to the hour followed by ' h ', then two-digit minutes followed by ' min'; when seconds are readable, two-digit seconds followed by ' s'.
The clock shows 2 h 52 min 40 s
